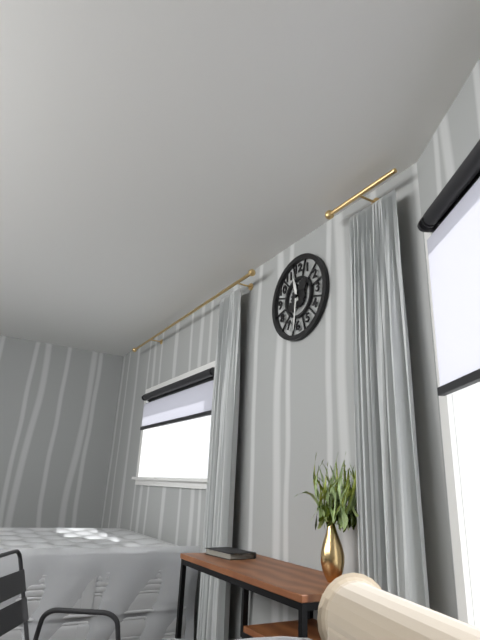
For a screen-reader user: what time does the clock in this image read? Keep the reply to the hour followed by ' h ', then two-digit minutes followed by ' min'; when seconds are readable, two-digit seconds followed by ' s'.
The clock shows 11 h 31 min
